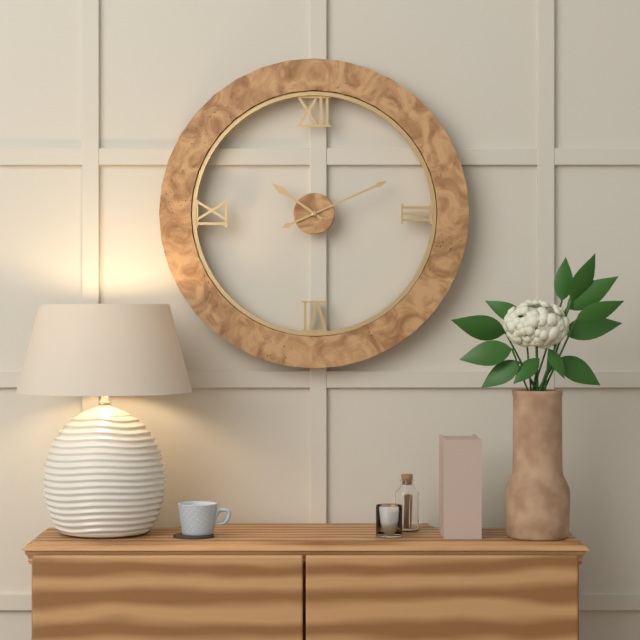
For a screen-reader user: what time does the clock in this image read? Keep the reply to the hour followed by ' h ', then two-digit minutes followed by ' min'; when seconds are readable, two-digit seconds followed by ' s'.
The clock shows 10 h 11 min
